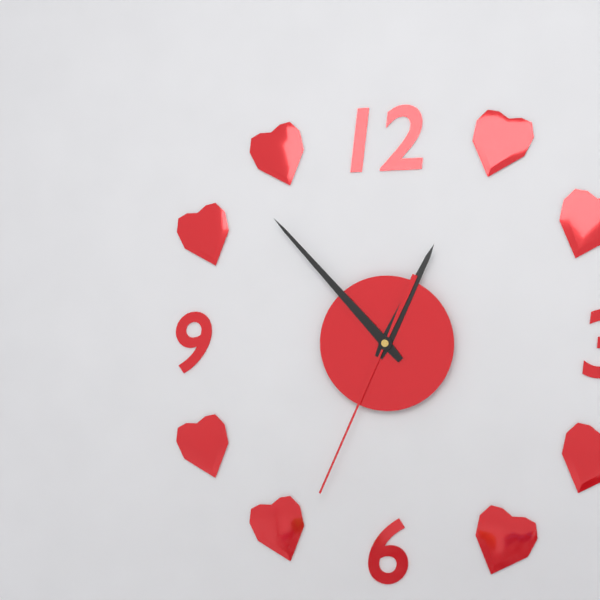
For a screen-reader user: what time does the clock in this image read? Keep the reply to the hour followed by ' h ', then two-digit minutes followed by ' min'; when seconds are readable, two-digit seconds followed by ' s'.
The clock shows 12 h 53 min 34 s
